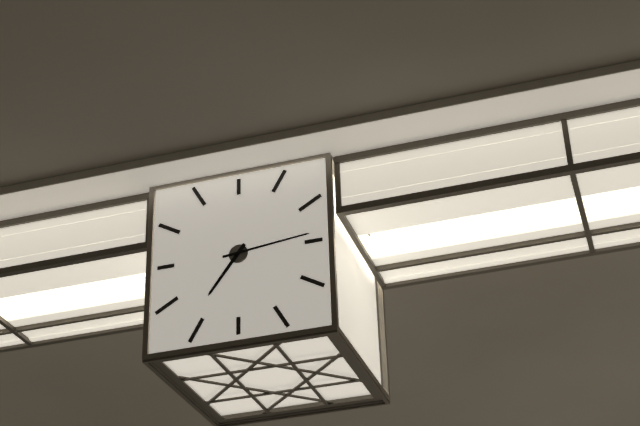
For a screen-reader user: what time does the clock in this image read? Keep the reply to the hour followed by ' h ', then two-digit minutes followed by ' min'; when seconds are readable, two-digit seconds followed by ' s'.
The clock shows 7 h 14 min
